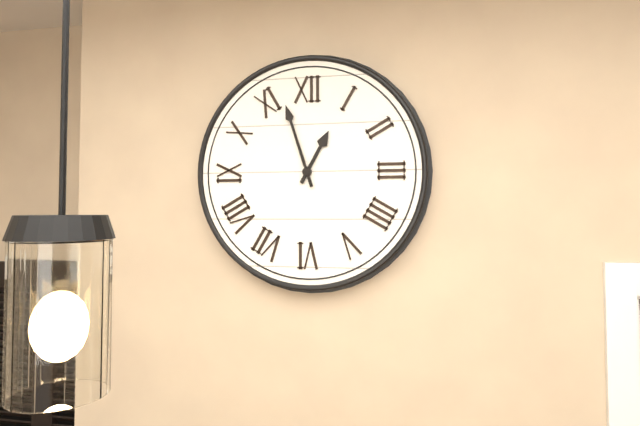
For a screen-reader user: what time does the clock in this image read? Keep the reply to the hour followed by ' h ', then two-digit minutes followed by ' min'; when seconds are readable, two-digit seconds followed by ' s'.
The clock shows 12 h 57 min
